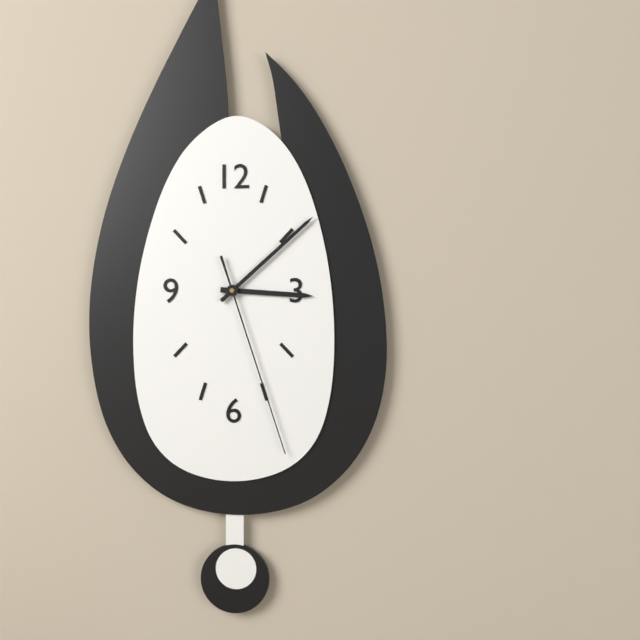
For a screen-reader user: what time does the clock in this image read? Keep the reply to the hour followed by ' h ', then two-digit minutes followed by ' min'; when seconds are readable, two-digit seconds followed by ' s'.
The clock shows 3 h 08 min 27 s
